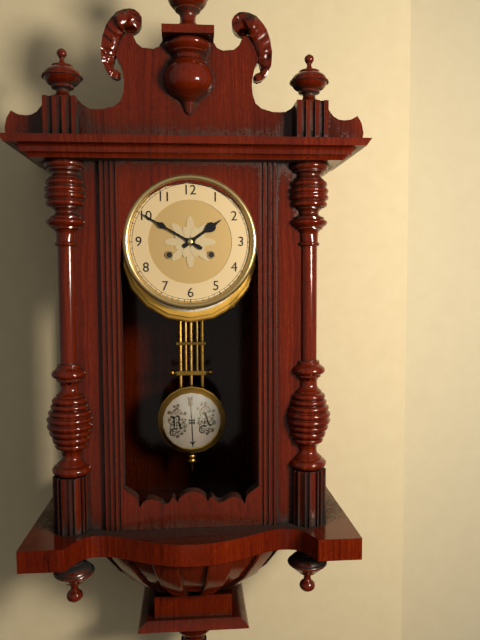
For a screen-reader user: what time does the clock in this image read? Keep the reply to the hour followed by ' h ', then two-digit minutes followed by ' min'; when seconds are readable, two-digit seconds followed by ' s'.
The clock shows 1 h 50 min
